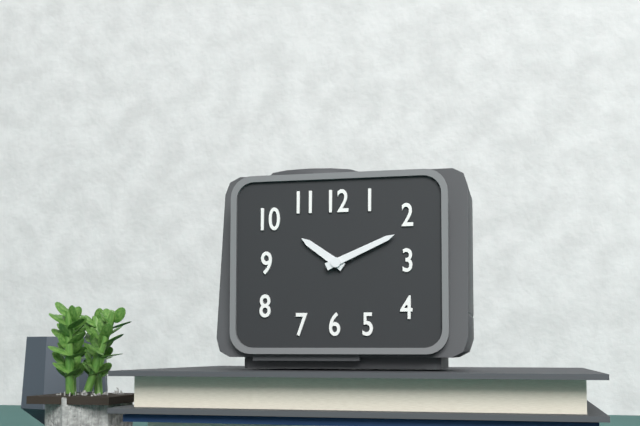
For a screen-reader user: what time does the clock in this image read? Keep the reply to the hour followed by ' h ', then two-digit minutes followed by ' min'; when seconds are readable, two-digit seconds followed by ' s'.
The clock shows 10 h 11 min
